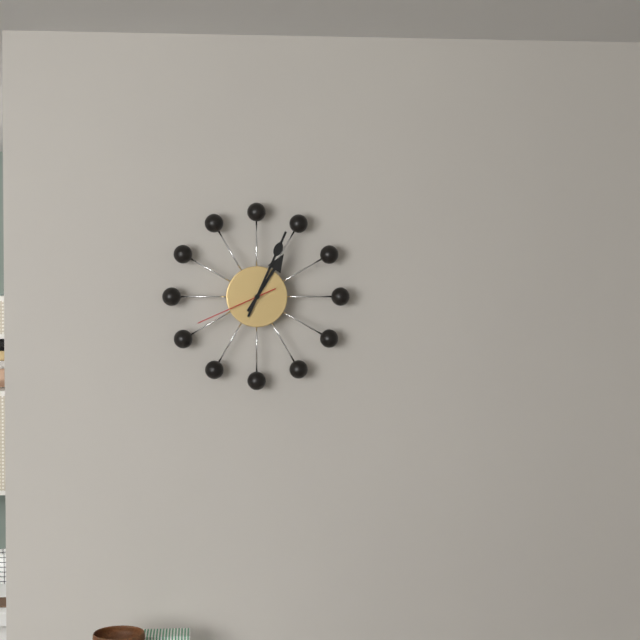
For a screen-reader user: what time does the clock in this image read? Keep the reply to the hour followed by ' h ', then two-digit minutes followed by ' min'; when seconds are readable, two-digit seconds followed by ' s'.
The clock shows 1 h 04 min 41 s
